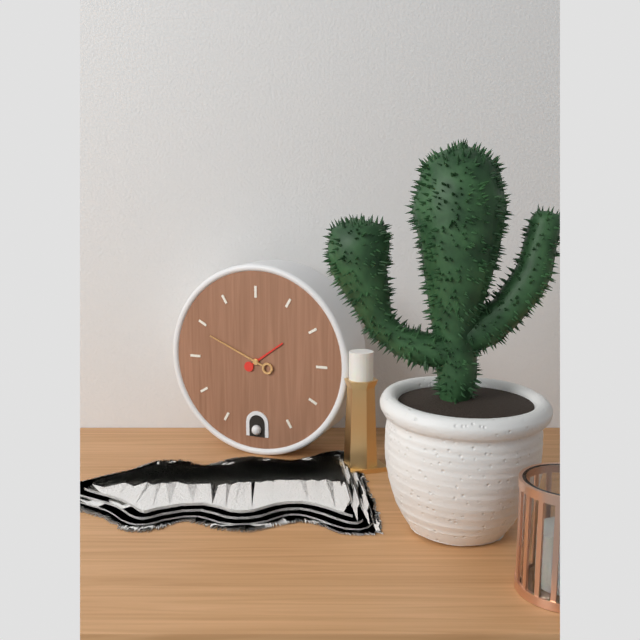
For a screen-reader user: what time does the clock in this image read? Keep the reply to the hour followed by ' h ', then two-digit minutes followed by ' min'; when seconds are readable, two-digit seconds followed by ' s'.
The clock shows 1 h 49 min
